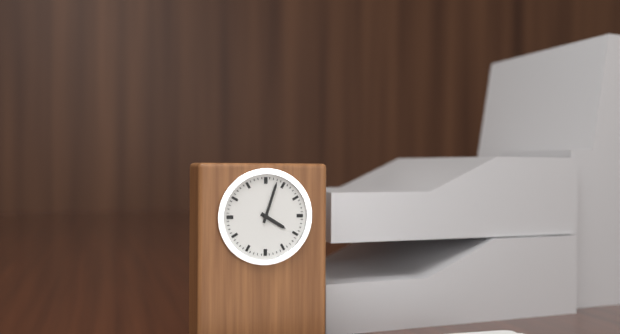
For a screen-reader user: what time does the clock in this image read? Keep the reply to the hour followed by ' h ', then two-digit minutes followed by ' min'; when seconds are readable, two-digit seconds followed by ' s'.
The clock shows 4 h 03 min
